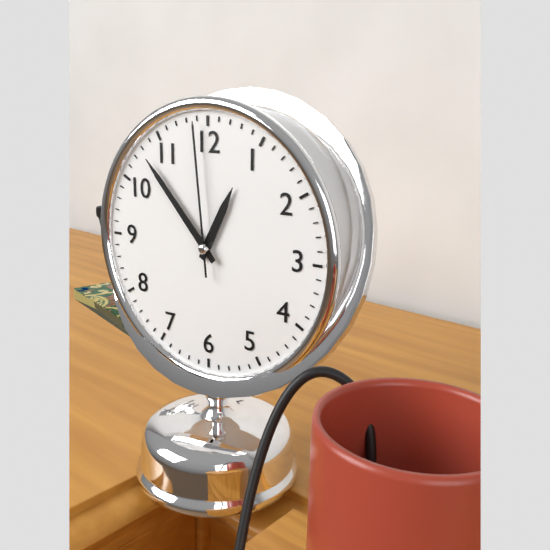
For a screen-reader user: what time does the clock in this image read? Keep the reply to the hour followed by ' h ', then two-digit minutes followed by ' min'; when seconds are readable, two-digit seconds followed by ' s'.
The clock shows 12 h 53 min 59 s
